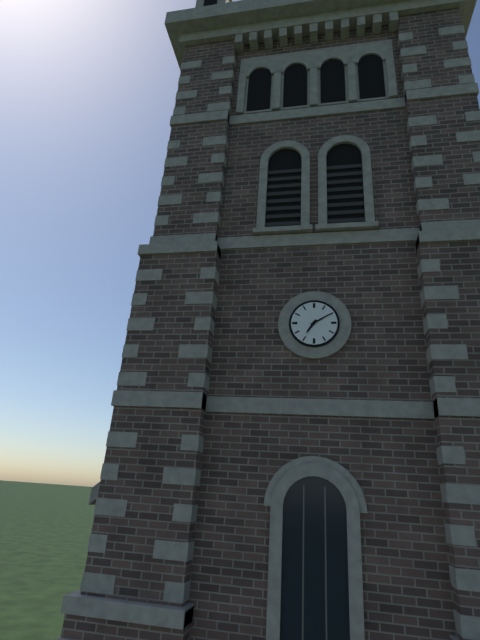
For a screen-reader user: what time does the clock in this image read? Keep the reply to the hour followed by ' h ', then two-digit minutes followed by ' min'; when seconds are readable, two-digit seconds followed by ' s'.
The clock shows 7 h 10 min
